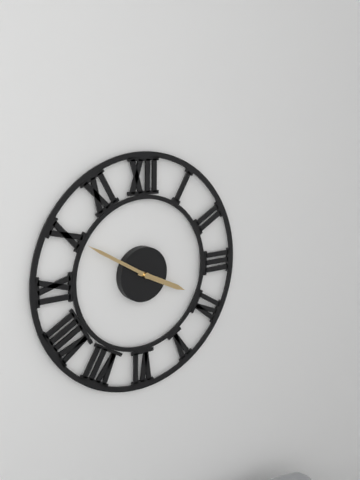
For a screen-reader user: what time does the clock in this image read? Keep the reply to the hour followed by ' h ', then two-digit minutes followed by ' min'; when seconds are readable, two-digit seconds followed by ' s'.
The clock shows 3 h 50 min
